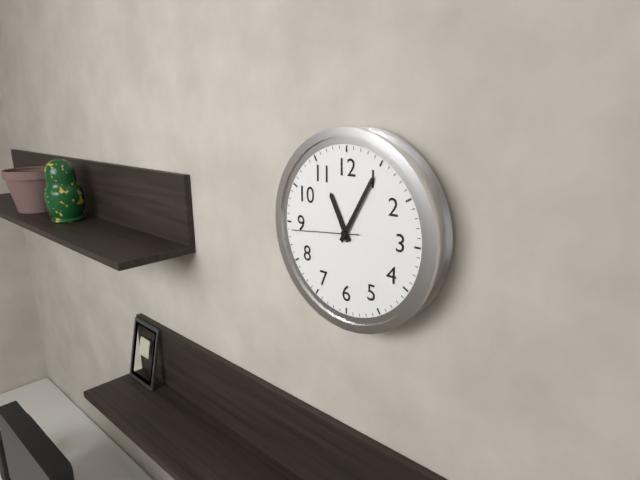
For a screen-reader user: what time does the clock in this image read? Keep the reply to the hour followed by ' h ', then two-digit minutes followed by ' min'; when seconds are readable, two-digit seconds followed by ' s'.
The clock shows 11 h 05 min 44 s
